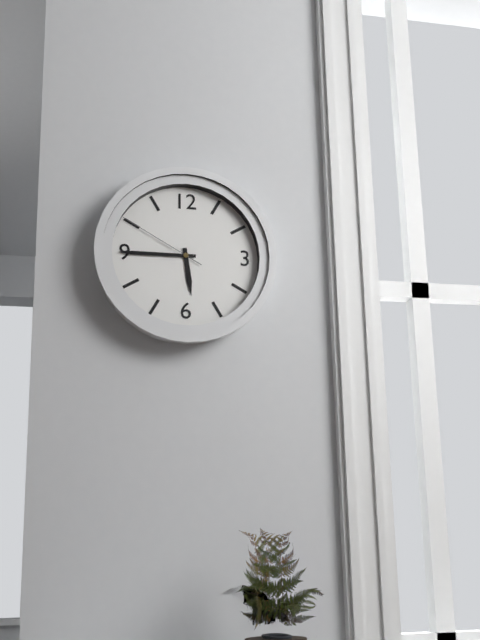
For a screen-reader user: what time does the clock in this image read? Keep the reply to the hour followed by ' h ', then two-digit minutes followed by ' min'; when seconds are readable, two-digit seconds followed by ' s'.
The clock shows 5 h 45 min 50 s
